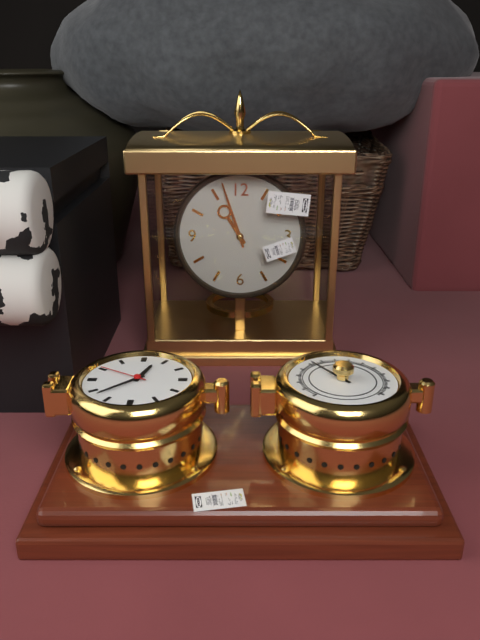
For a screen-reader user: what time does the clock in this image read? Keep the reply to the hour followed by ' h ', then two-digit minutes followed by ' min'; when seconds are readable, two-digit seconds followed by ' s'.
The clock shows 10 h 57 min
